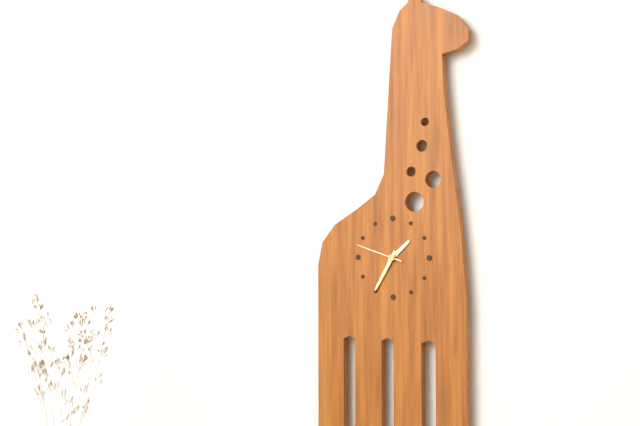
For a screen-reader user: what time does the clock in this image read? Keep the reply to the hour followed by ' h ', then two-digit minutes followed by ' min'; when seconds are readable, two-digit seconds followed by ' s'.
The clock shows 1 h 35 min
